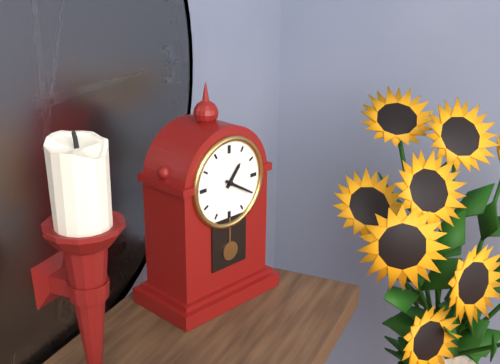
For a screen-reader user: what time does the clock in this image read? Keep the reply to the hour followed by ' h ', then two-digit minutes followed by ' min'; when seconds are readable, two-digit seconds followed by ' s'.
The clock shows 1 h 20 min
